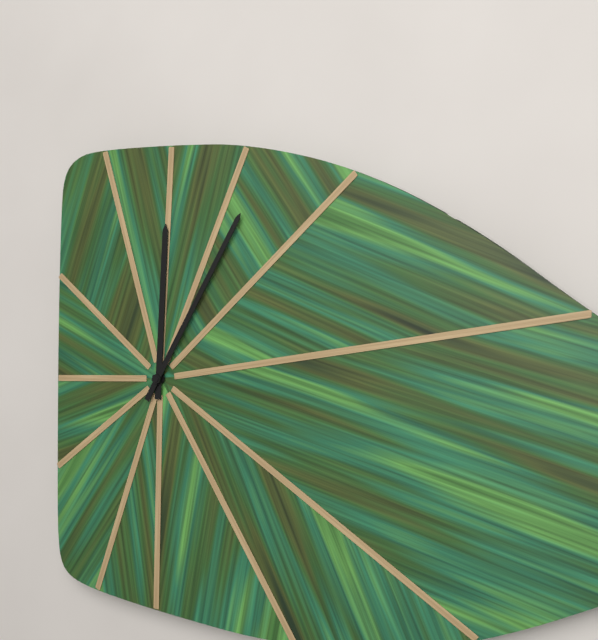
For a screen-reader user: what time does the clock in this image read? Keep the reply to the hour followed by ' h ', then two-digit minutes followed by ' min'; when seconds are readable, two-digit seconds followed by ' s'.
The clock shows 12 h 05 min
